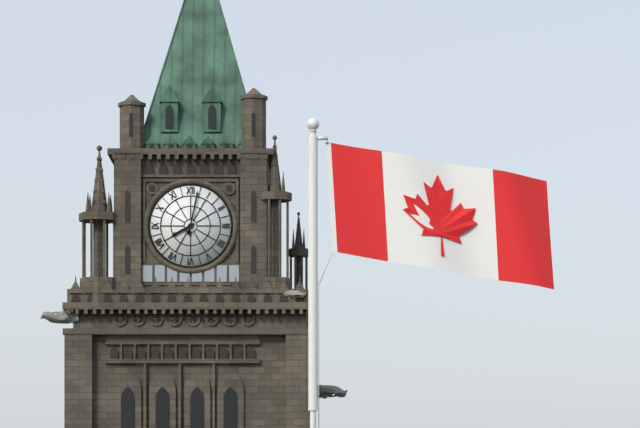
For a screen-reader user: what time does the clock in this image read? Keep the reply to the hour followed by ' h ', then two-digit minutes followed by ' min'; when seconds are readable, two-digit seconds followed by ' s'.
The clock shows 8 h 02 min
